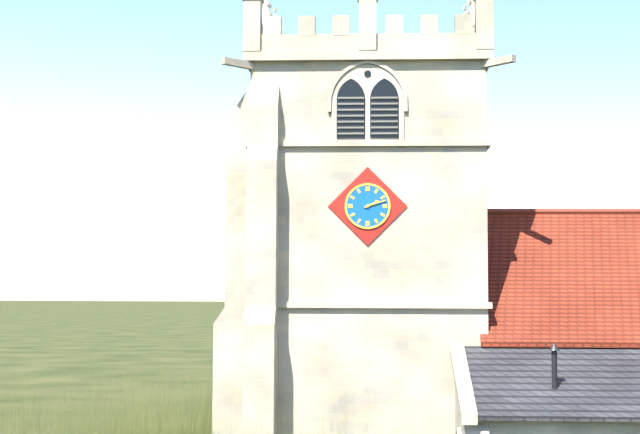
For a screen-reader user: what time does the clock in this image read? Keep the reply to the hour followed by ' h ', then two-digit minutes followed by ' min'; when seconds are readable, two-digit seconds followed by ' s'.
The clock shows 2 h 12 min
